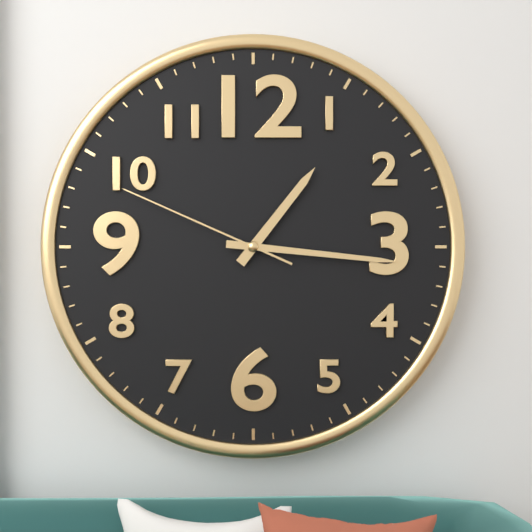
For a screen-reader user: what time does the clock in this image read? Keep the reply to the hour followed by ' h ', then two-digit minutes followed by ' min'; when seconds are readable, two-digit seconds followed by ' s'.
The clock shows 1 h 16 min 49 s
